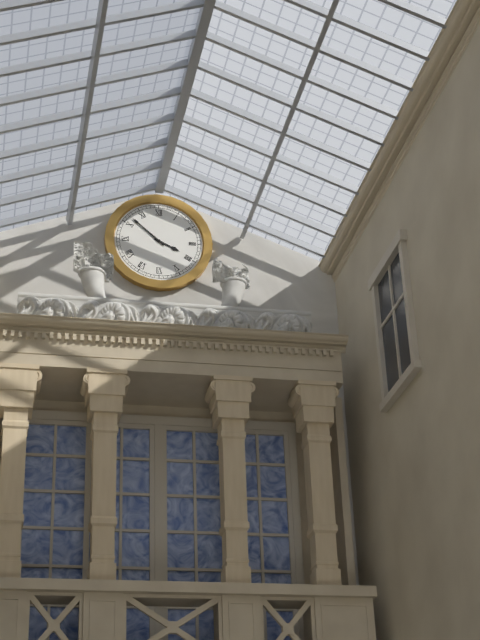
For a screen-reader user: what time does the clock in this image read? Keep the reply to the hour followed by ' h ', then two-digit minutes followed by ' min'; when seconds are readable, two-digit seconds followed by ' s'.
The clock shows 3 h 52 min
